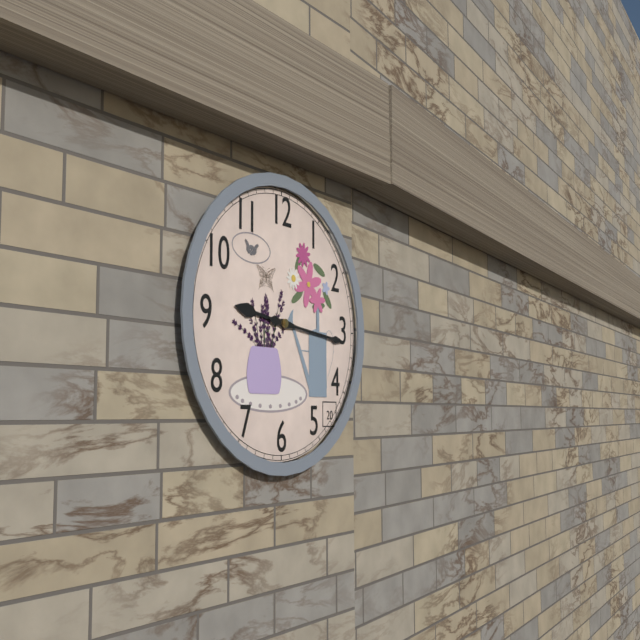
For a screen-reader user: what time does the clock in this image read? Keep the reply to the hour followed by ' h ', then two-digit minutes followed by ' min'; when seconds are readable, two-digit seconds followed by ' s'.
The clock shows 9 h 16 min
